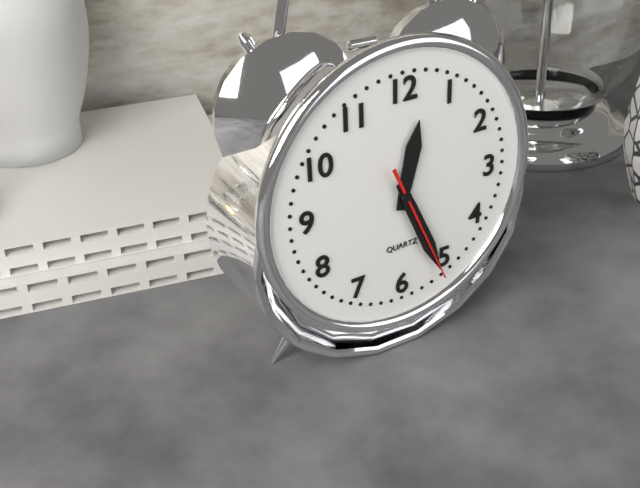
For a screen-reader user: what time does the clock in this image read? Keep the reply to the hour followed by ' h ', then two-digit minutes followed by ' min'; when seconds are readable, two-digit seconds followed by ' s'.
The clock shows 12 h 26 min 26 s
